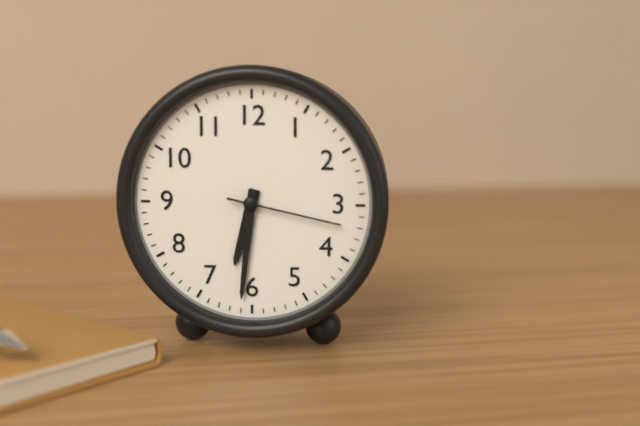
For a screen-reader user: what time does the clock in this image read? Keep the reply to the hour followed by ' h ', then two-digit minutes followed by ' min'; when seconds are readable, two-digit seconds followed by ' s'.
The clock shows 6 h 31 min 17 s
